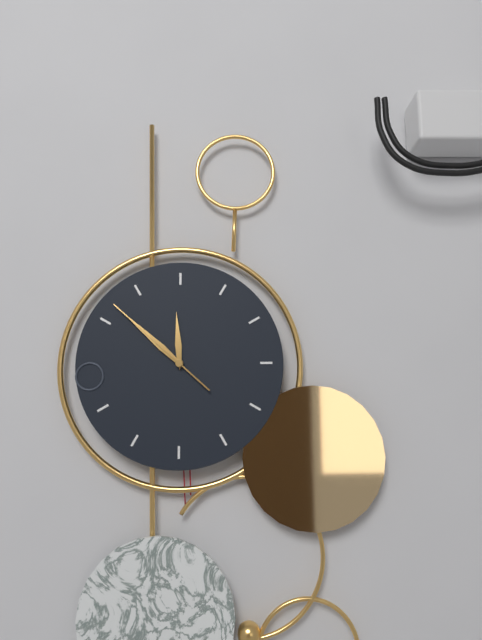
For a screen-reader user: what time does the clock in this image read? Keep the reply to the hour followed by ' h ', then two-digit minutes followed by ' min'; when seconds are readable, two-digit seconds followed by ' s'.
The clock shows 11 h 52 min 52 s
